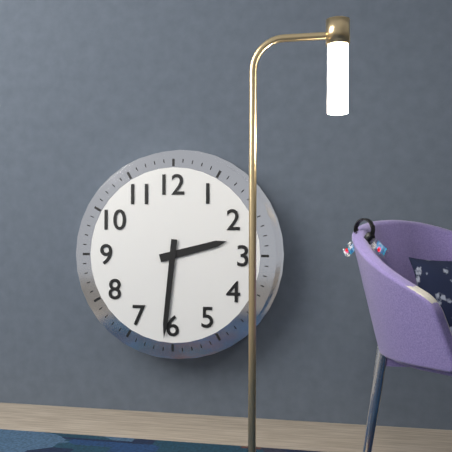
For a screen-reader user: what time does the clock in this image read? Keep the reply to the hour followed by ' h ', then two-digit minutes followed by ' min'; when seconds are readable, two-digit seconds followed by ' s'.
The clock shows 2 h 31 min
